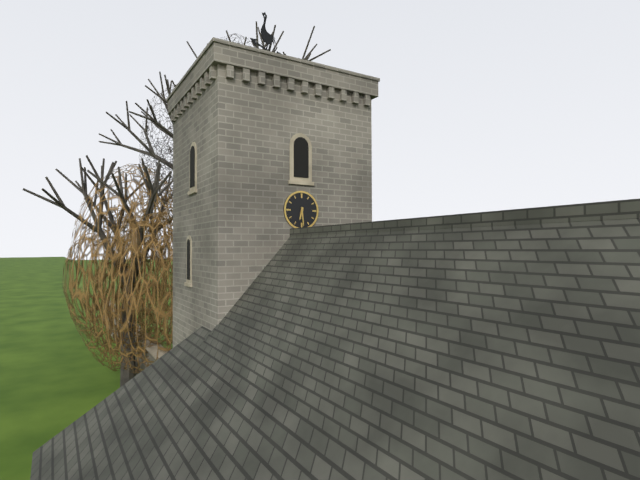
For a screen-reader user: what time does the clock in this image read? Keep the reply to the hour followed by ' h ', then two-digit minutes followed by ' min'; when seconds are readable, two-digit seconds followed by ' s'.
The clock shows 6 h 29 min
